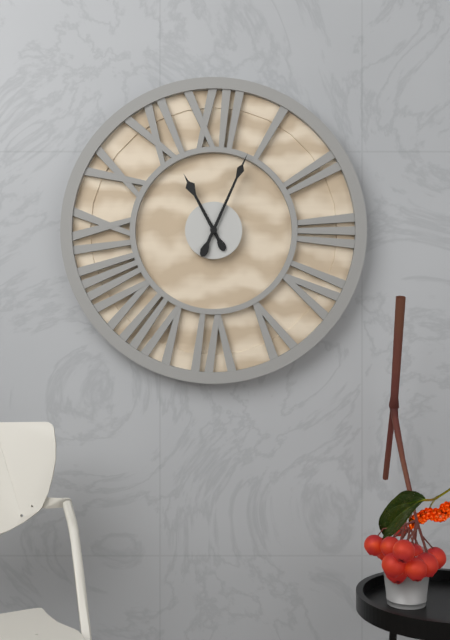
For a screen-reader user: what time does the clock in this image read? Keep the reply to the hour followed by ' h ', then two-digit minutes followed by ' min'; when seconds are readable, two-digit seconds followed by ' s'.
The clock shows 11 h 04 min
